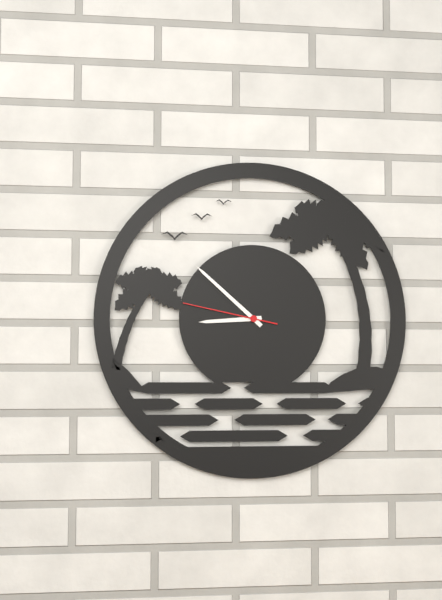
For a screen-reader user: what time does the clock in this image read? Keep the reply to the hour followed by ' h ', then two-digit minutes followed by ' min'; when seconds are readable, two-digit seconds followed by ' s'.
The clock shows 8 h 52 min 47 s
